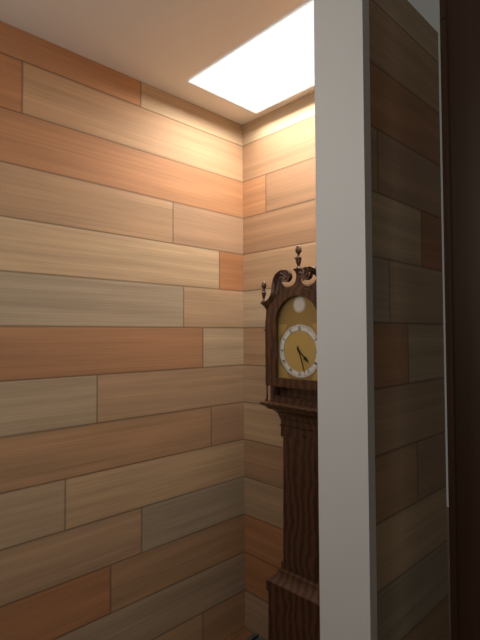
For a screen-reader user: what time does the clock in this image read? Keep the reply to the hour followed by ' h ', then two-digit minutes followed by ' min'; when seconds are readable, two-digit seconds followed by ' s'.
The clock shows 4 h 27 min
